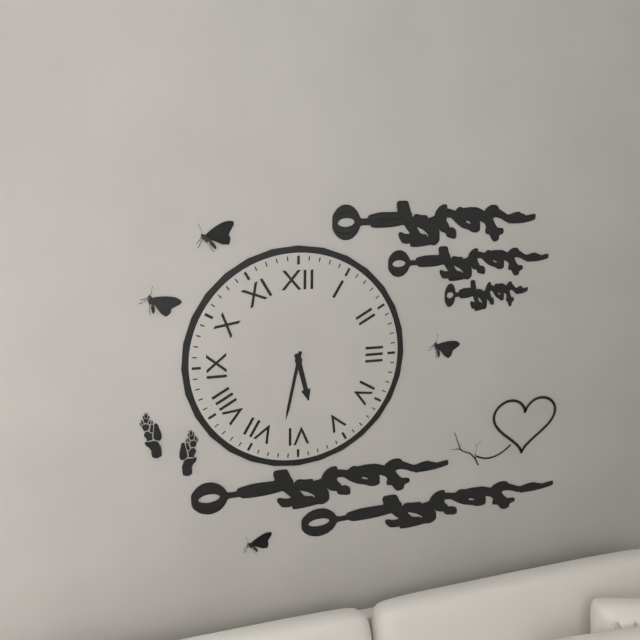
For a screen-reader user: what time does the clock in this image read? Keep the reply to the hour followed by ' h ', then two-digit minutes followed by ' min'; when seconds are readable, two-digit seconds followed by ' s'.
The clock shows 5 h 32 min
